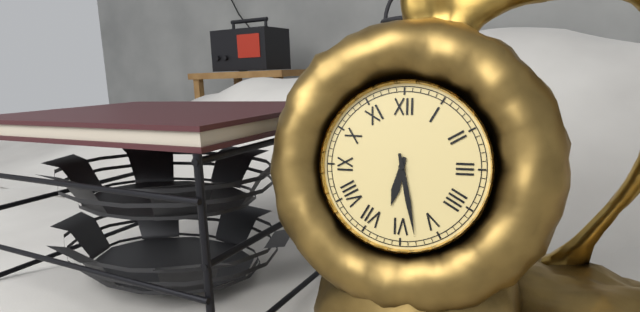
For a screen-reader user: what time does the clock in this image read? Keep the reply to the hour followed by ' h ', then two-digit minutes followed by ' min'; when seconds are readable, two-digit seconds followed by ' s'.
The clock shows 6 h 28 min
